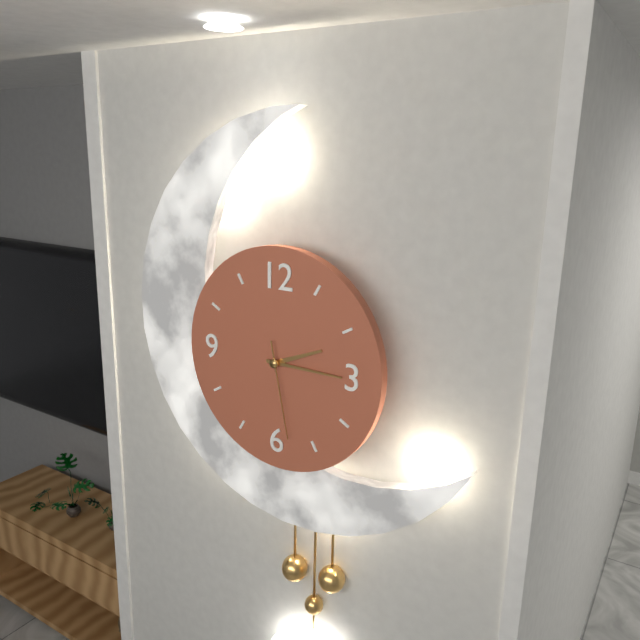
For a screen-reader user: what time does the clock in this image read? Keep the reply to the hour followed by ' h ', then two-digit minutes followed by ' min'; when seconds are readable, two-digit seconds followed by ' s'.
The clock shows 2 h 15 min 28 s
